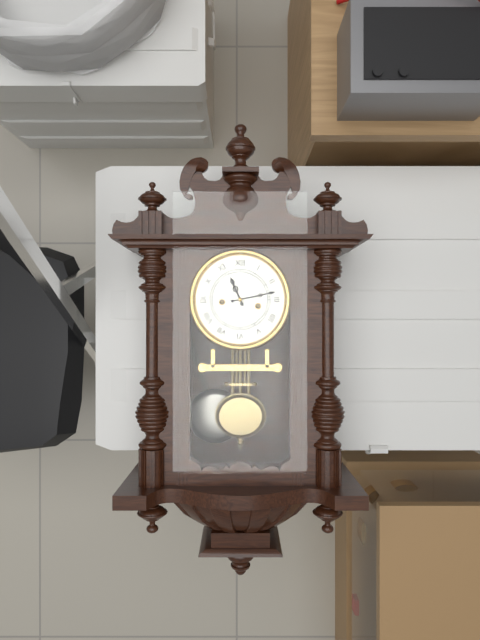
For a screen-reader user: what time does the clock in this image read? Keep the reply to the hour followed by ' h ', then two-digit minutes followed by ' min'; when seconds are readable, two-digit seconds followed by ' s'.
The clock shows 11 h 13 min
